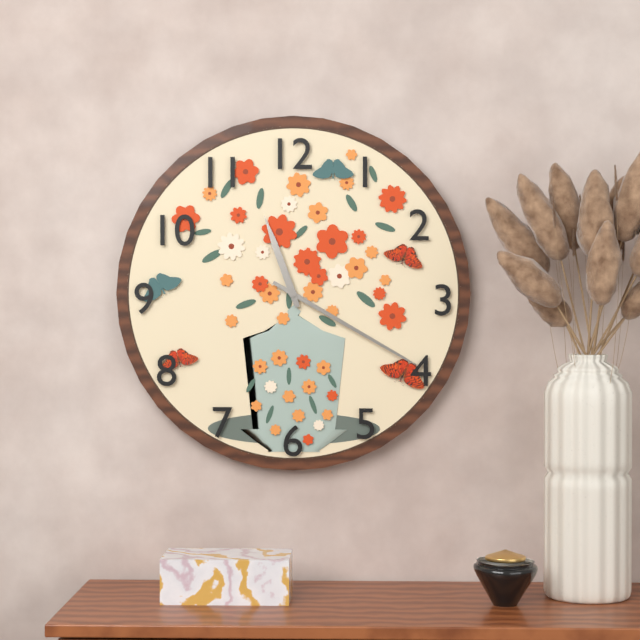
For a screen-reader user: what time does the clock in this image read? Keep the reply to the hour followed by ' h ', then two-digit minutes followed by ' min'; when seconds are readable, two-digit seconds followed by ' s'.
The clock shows 11 h 20 min
